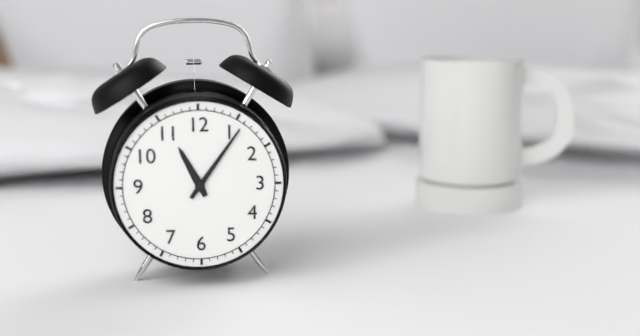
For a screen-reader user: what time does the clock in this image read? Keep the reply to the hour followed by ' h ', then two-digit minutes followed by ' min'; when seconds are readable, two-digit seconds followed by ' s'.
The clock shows 11 h 06 min
